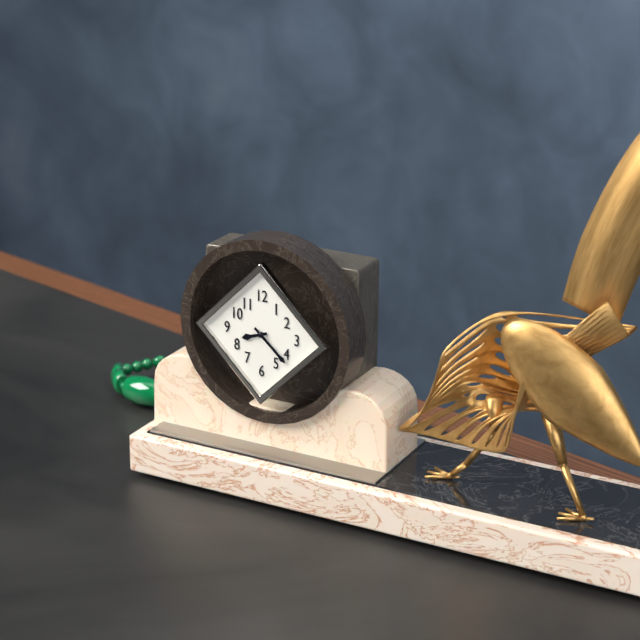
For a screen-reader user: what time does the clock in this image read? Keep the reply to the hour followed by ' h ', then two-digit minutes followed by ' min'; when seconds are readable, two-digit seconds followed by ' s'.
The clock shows 8 h 22 min
